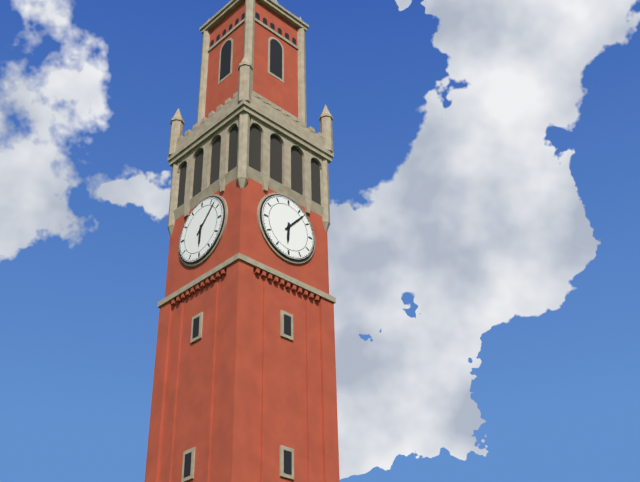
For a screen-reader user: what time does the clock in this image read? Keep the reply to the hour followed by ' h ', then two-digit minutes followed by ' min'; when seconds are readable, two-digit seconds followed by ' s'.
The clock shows 6 h 07 min
